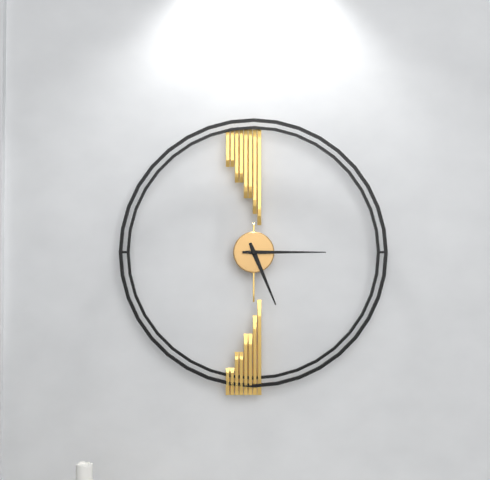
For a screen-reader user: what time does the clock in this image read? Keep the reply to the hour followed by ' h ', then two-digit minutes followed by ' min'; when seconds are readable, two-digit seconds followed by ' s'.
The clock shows 5 h 15 min
